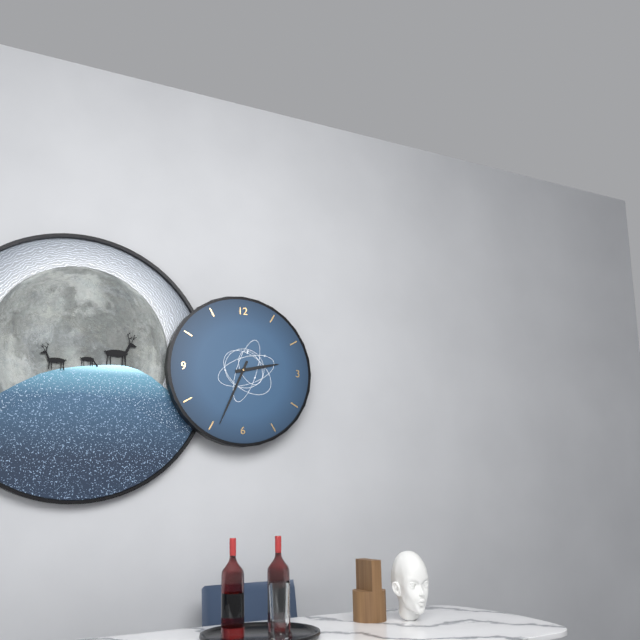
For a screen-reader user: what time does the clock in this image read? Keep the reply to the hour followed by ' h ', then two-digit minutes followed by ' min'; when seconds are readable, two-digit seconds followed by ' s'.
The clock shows 2 h 34 min
